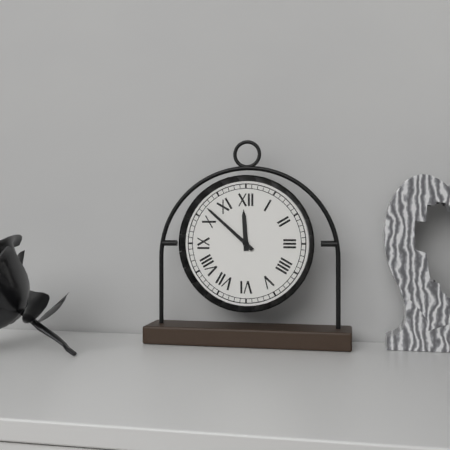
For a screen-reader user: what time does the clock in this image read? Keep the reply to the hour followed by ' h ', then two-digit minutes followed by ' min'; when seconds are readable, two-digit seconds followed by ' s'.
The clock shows 11 h 52 min
